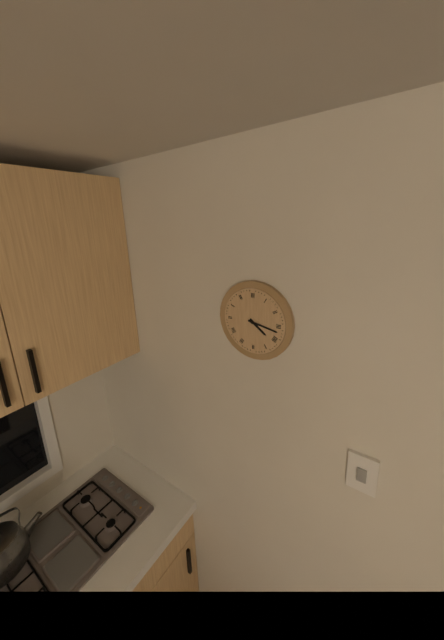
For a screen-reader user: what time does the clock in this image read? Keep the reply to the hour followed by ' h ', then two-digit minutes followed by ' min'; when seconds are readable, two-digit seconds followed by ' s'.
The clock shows 4 h 17 min
